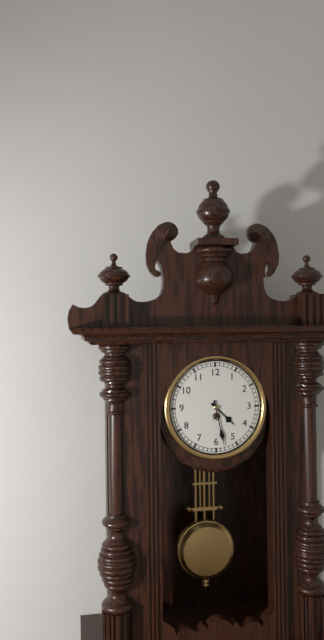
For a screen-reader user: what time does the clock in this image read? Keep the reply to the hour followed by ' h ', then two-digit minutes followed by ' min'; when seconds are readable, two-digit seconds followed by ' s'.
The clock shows 4 h 28 min
